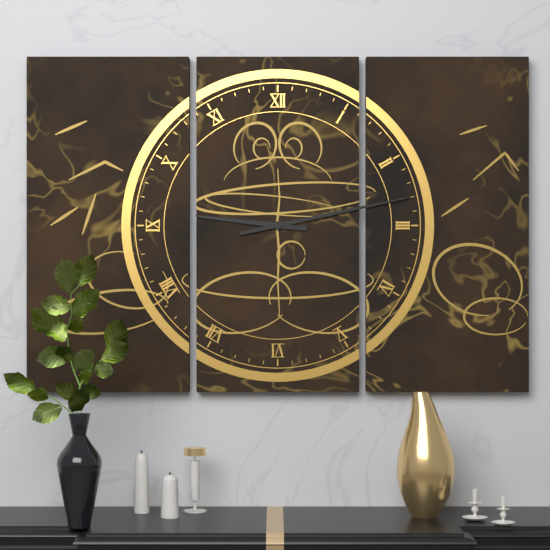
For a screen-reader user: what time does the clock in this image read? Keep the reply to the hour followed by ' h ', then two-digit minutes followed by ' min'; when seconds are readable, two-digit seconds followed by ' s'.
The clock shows 9 h 13 min
